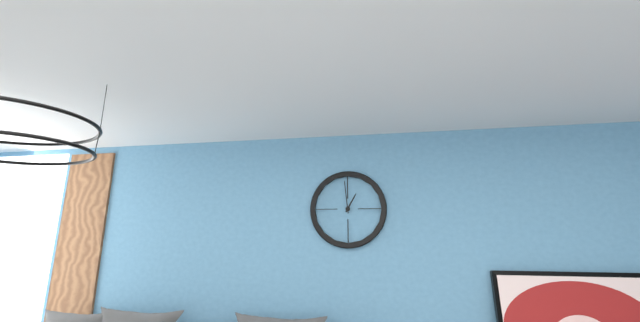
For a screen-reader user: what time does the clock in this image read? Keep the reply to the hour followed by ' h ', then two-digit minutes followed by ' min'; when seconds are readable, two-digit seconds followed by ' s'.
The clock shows 12 h 59 min
